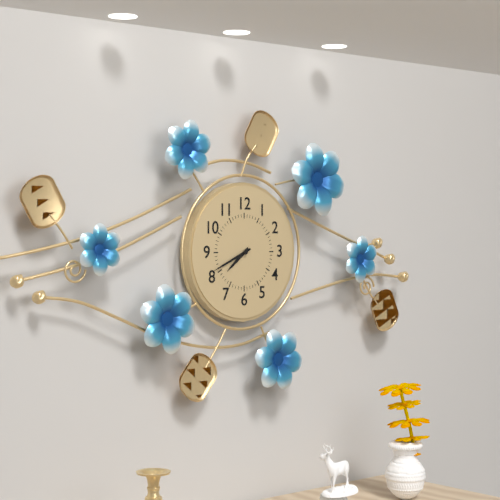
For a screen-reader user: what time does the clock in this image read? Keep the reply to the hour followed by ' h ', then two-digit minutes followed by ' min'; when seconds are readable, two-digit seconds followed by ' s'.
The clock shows 7 h 41 min
